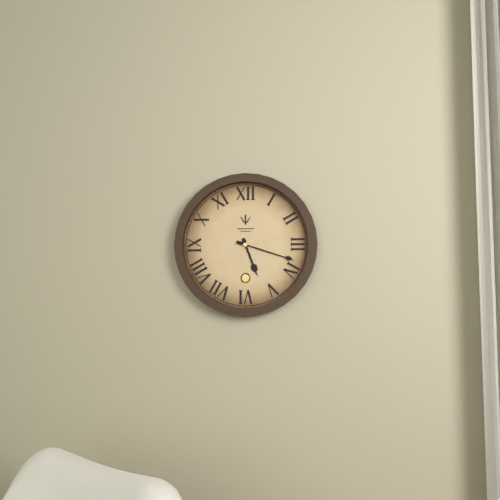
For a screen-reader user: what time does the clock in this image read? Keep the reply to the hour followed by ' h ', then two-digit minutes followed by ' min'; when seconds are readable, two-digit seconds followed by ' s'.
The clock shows 5 h 18 min
